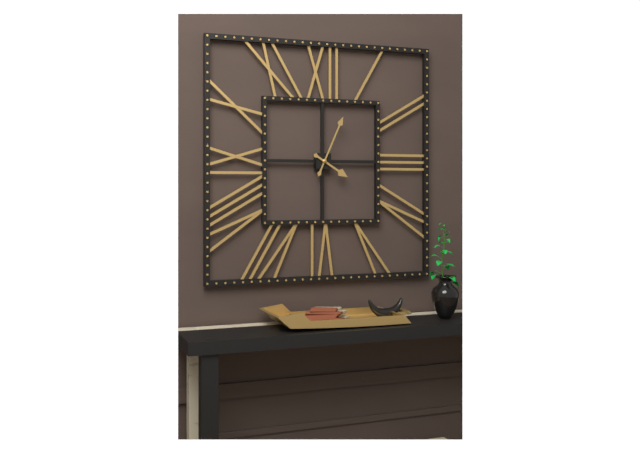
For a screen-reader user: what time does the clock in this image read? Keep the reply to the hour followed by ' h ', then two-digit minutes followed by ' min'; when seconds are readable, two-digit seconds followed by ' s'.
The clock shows 4 h 04 min
